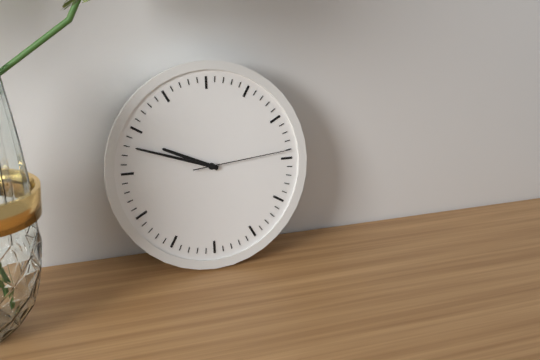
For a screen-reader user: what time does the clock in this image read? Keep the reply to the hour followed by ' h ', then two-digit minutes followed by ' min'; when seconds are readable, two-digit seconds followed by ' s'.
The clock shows 9 h 48 min 14 s
